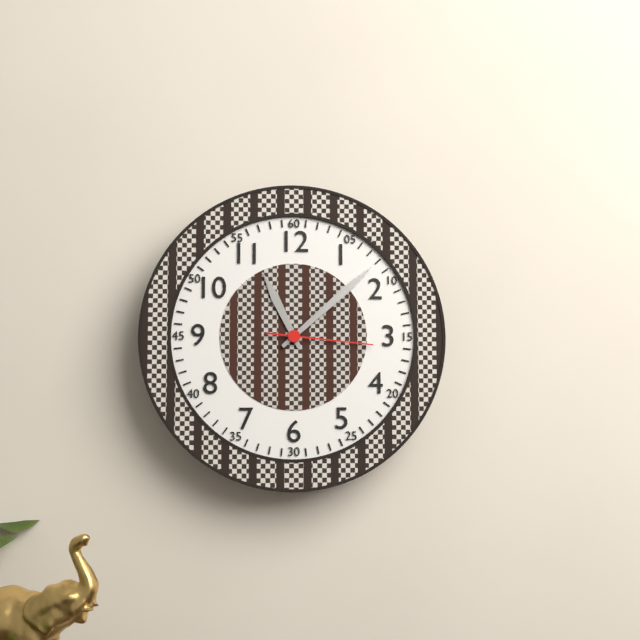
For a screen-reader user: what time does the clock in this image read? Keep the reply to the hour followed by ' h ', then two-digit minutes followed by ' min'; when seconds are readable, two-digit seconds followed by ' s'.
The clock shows 11 h 08 min 16 s
